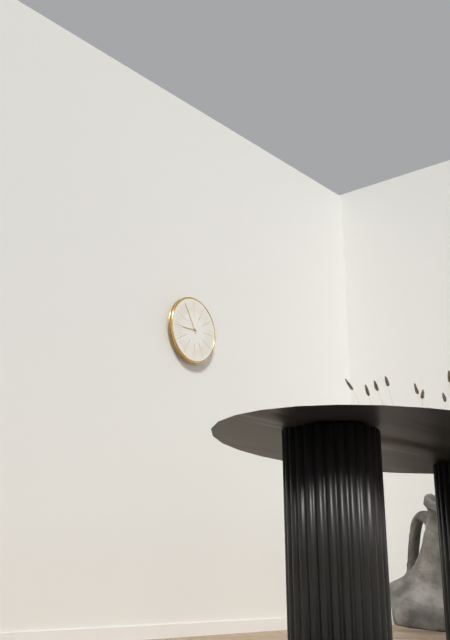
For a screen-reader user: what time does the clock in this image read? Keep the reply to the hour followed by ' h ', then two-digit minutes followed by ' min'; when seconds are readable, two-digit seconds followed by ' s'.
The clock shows 8 h 55 min
